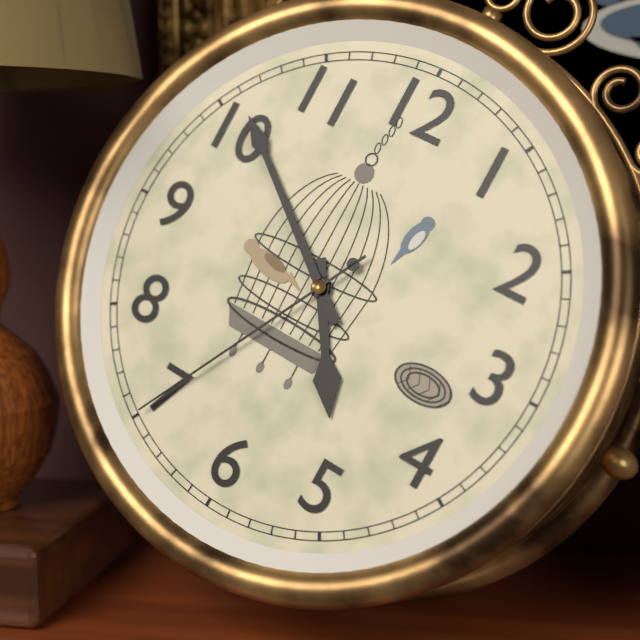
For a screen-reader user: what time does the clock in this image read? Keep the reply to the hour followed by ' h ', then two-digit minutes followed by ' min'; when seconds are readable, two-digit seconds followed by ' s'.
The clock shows 4 h 51 min 35 s
